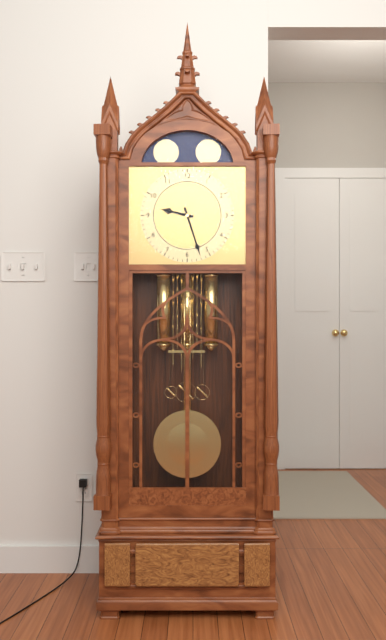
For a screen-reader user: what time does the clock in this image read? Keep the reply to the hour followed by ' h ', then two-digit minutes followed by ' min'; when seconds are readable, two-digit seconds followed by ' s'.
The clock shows 9 h 27 min
